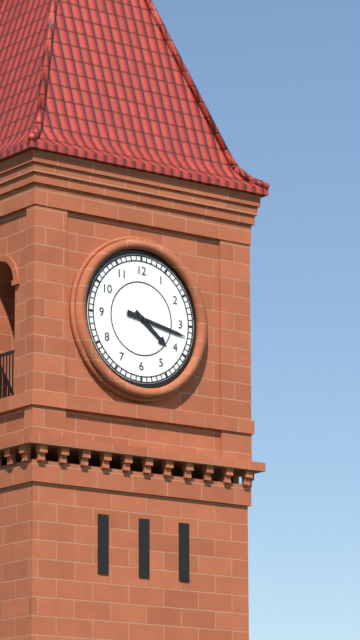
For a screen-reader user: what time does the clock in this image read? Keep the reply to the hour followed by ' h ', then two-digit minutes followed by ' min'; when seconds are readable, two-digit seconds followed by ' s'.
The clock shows 4 h 17 min
